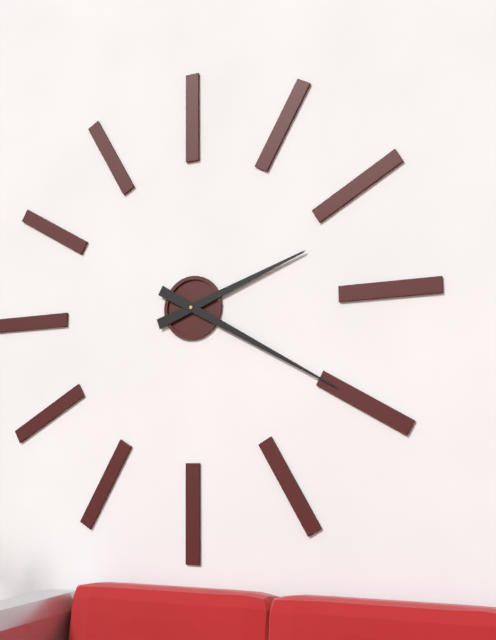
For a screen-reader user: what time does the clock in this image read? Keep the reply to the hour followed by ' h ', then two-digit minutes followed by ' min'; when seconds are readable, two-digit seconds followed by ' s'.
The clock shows 2 h 20 min
